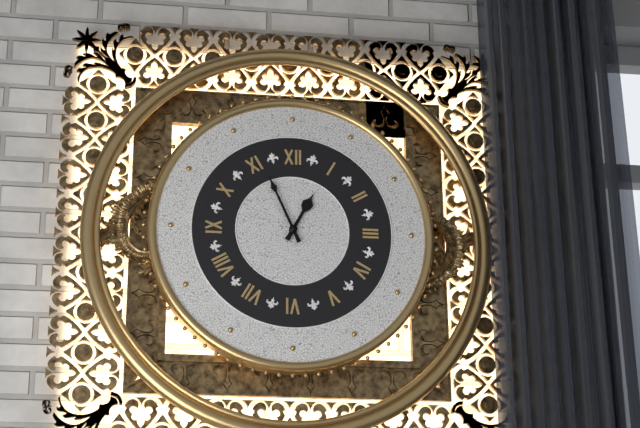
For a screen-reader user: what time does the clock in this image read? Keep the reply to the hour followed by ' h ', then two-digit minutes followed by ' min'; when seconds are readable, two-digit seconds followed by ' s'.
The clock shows 12 h 56 min
